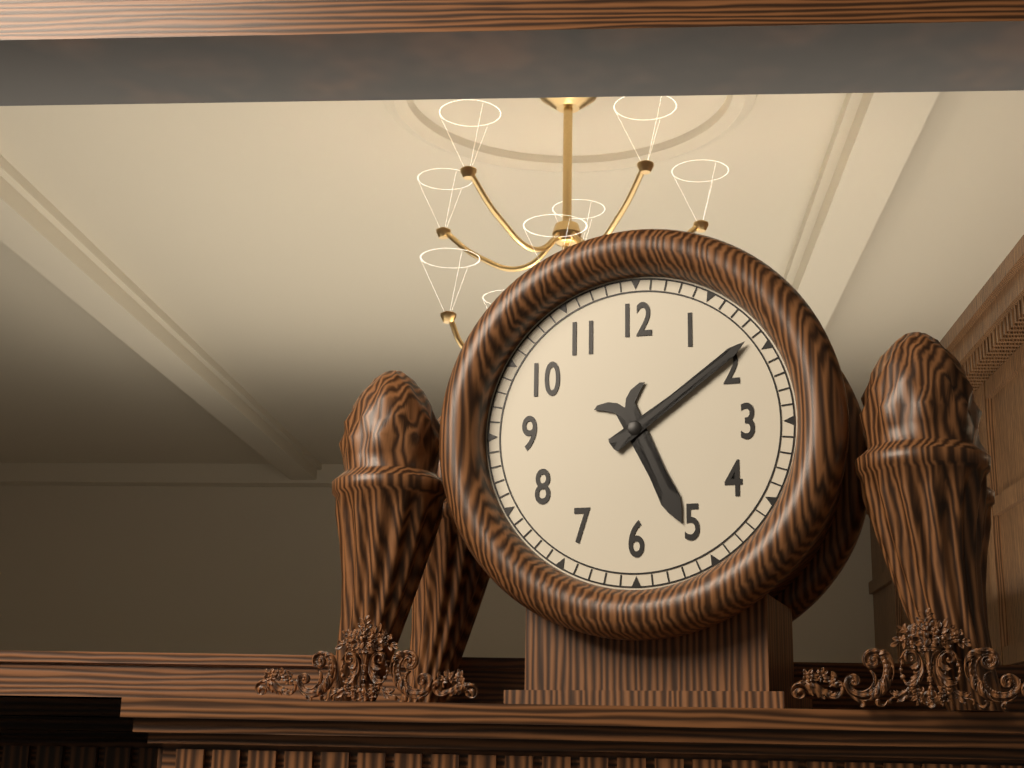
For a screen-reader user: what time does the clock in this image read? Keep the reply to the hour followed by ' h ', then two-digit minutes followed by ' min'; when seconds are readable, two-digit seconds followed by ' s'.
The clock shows 5 h 09 min
